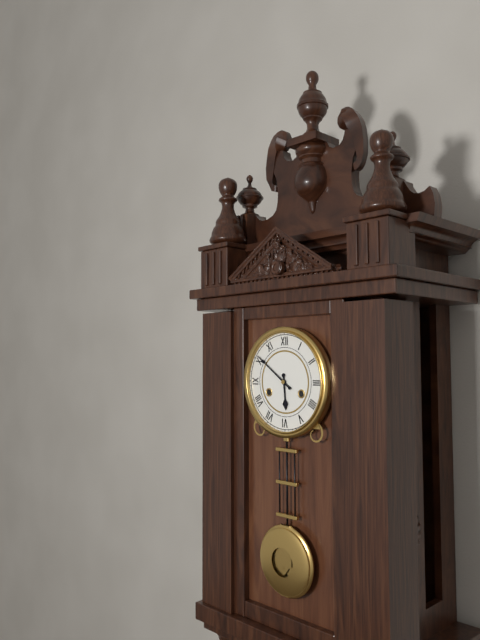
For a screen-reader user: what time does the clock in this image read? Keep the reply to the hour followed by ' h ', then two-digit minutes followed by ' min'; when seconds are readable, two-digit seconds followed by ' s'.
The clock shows 5 h 51 min
